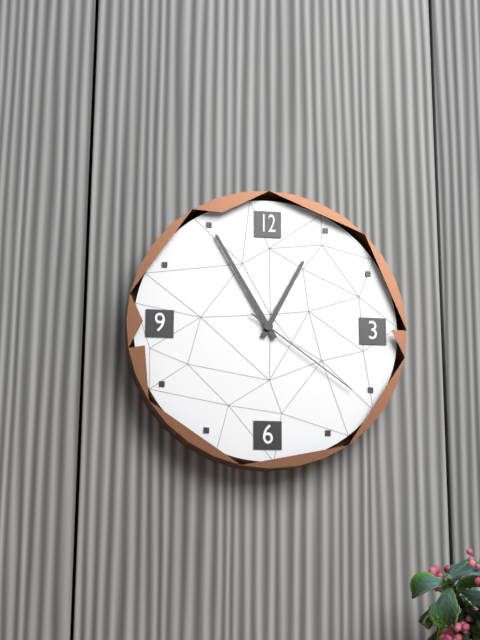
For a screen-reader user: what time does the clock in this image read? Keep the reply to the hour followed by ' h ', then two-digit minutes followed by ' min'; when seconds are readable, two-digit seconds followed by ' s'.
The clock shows 12 h 55 min 21 s
